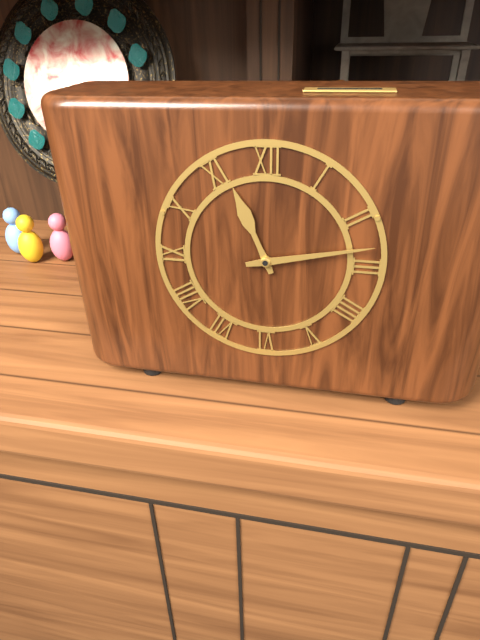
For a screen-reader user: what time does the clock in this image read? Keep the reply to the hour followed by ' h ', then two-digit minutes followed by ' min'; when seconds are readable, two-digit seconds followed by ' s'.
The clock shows 11 h 13 min
